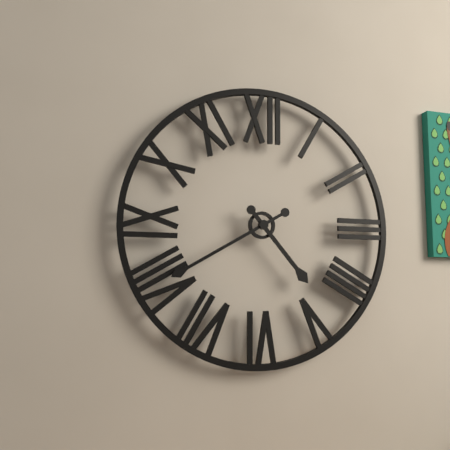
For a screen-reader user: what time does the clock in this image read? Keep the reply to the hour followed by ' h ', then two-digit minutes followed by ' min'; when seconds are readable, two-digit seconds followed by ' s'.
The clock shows 4 h 40 min
